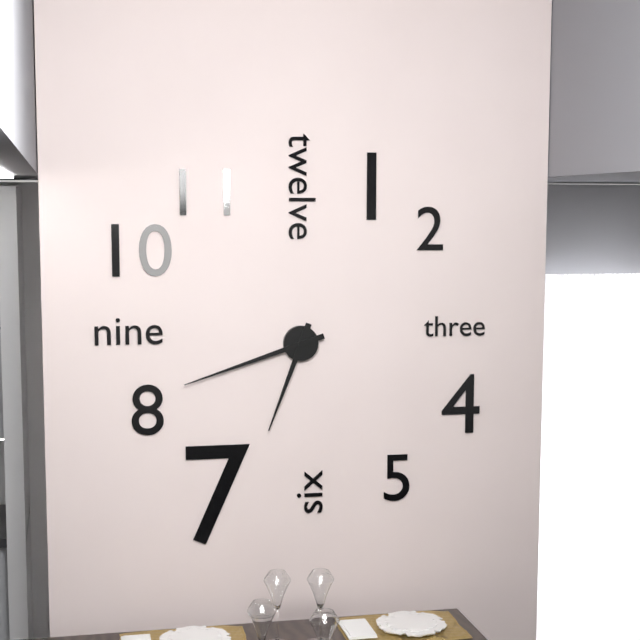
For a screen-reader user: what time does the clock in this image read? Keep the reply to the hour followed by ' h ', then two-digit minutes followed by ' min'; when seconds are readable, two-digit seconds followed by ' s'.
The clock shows 6 h 42 min
